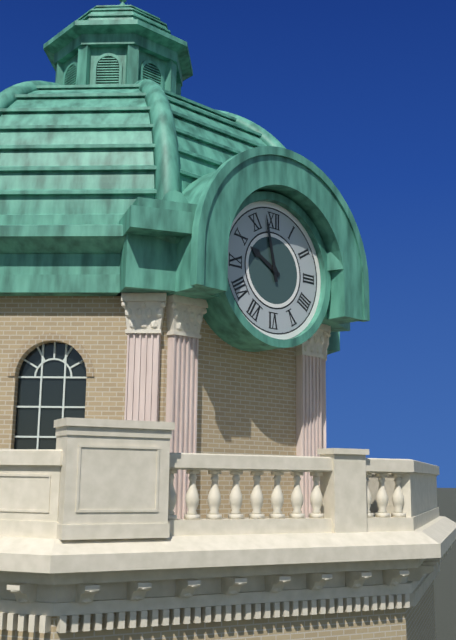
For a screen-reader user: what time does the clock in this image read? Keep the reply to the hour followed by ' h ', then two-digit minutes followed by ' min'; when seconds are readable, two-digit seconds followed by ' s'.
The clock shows 9 h 58 min
